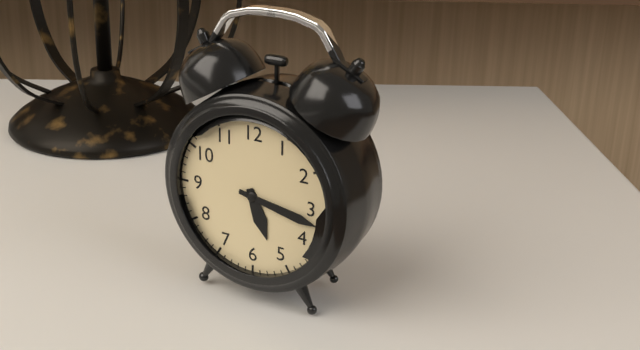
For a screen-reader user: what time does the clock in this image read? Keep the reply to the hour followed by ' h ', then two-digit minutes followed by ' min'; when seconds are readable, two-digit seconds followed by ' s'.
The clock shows 5 h 17 min
